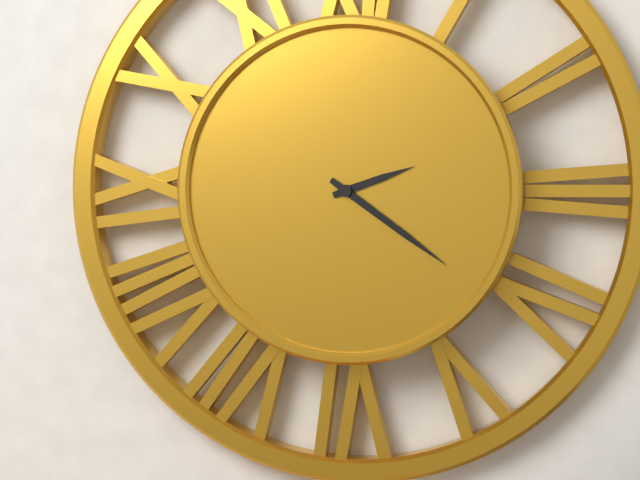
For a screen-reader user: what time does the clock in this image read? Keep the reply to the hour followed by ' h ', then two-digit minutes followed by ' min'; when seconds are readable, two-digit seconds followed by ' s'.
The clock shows 2 h 21 min
